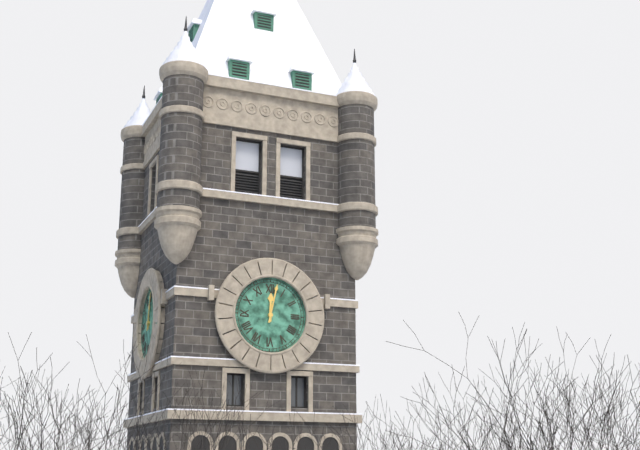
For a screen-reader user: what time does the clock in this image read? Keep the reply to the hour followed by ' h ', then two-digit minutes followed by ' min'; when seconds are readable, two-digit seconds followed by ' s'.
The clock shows 12 h 02 min
